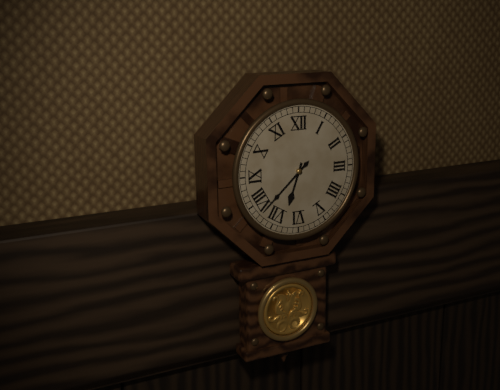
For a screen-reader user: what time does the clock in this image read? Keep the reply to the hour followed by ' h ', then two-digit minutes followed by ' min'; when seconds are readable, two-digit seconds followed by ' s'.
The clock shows 6 h 38 min
